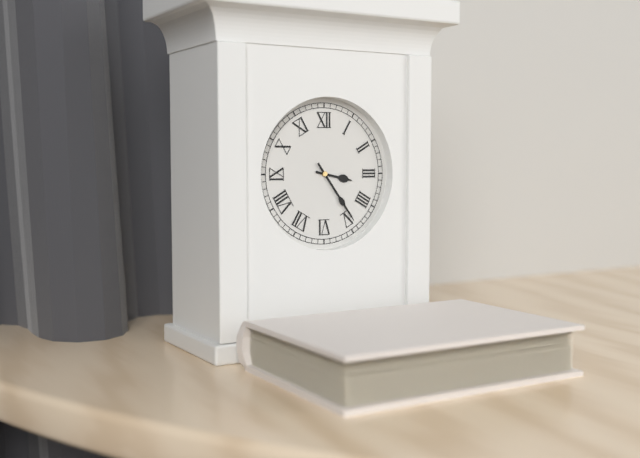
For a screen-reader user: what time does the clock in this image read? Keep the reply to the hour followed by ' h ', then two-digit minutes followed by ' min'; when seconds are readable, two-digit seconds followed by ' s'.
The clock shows 3 h 24 min
